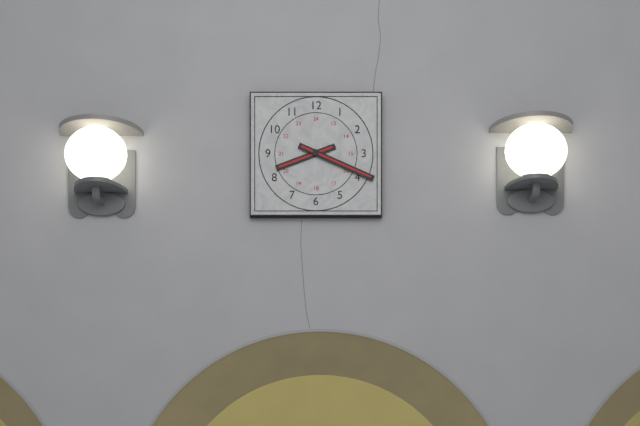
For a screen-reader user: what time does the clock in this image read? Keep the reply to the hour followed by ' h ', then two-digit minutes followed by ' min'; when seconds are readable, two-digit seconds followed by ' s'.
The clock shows 8 h 19 min
